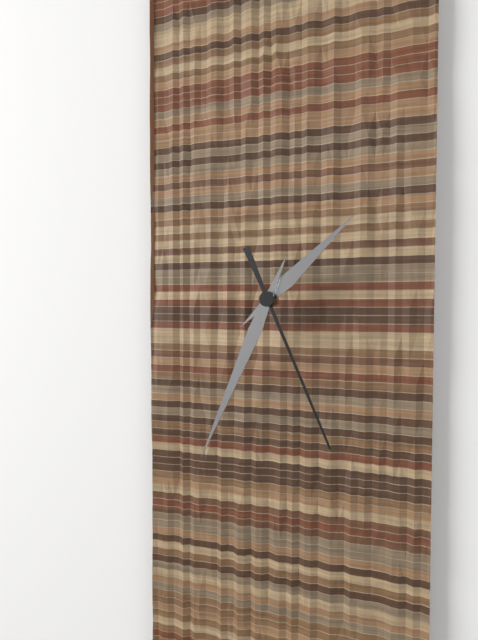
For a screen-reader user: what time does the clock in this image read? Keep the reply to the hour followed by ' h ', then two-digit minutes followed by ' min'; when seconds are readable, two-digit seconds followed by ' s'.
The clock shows 1 h 34 min 26 s
